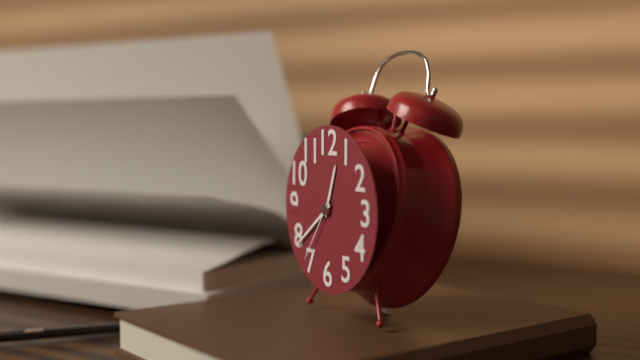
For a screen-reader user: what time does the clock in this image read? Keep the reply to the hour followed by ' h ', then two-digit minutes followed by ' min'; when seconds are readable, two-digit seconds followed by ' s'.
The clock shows 12 h 39 min 36 s
